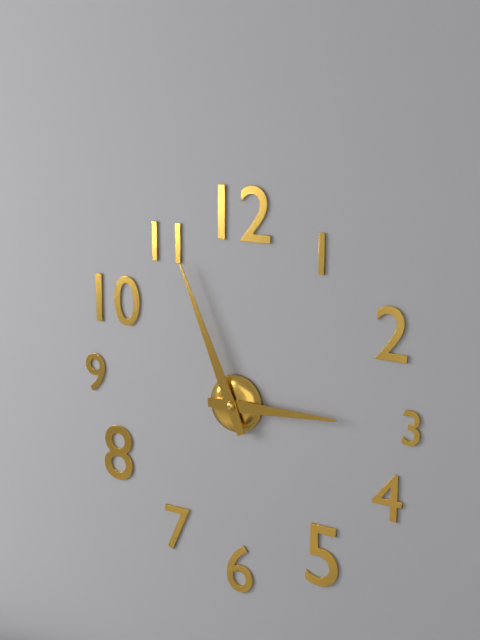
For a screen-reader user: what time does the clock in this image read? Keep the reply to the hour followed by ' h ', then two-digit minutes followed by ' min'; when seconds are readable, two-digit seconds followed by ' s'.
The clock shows 2 h 56 min
